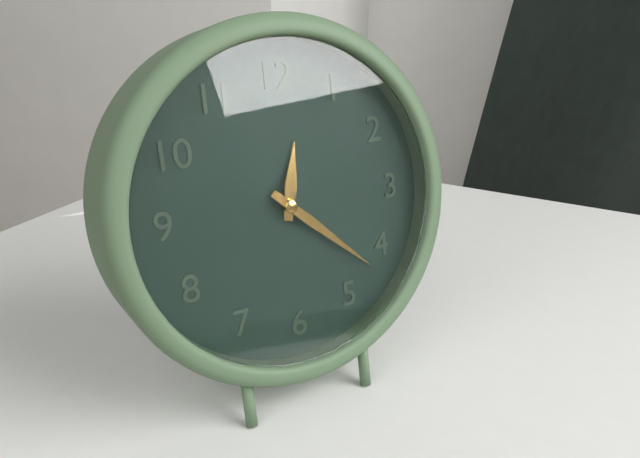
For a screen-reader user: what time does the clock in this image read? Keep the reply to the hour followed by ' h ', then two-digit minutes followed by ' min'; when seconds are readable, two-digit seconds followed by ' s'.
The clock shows 12 h 22 min
